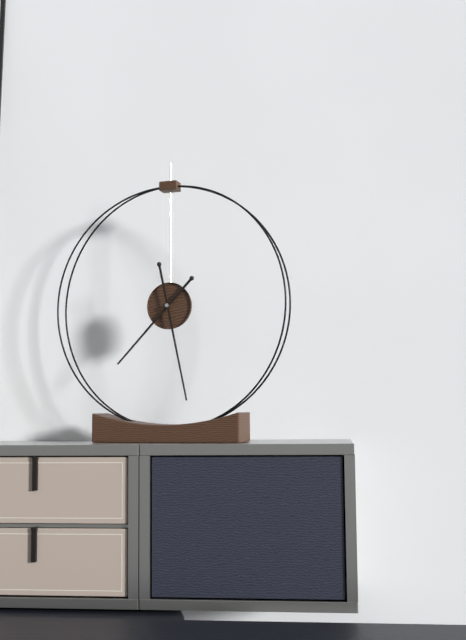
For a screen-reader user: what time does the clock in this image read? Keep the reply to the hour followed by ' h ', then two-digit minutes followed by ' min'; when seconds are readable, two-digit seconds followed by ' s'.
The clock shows 7 h 28 min
